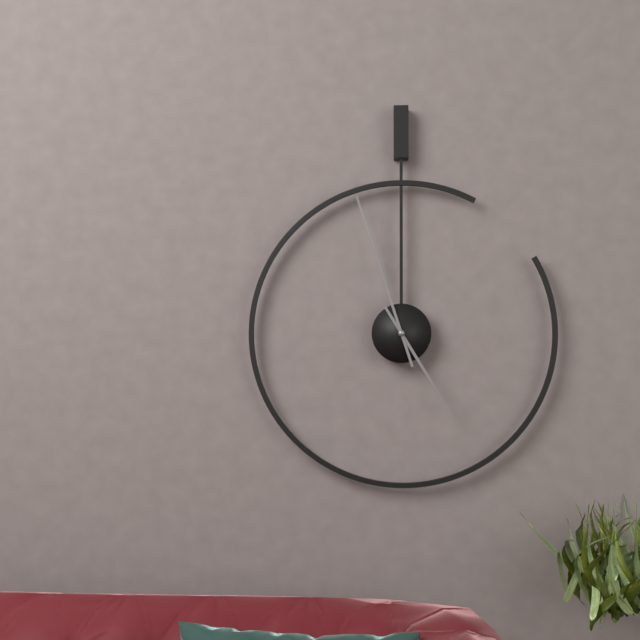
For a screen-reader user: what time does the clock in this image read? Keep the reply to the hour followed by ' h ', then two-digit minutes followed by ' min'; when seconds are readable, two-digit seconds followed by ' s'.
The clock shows 4 h 57 min
